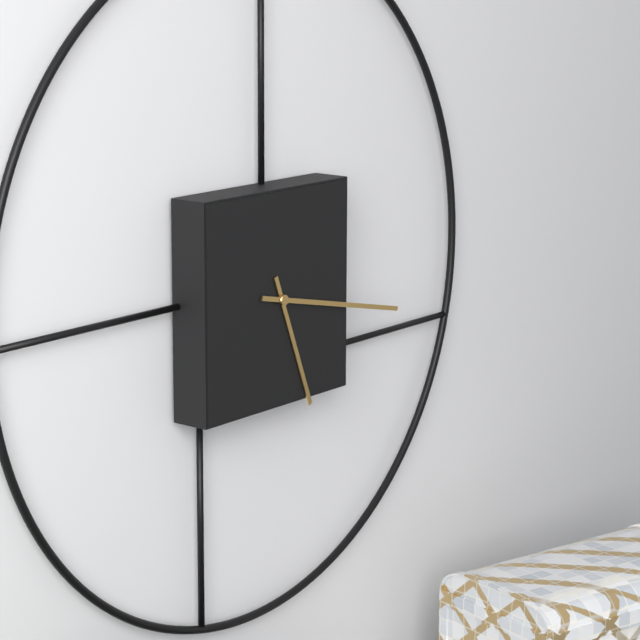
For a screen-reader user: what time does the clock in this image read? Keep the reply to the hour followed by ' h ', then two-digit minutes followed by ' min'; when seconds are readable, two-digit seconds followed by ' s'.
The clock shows 5 h 17 min
